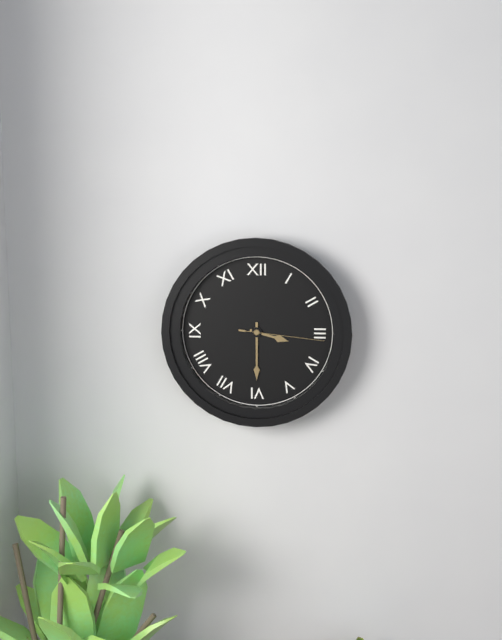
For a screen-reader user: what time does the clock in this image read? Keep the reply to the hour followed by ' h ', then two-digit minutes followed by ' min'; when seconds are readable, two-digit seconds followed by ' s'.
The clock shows 3 h 30 min 16 s
